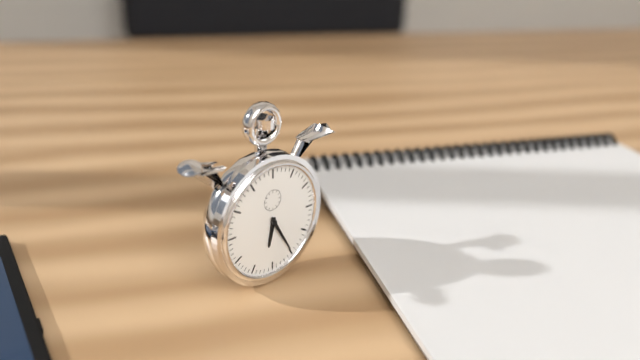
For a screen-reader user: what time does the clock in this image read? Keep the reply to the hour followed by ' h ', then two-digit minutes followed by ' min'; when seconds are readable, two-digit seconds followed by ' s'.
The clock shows 6 h 25 min
